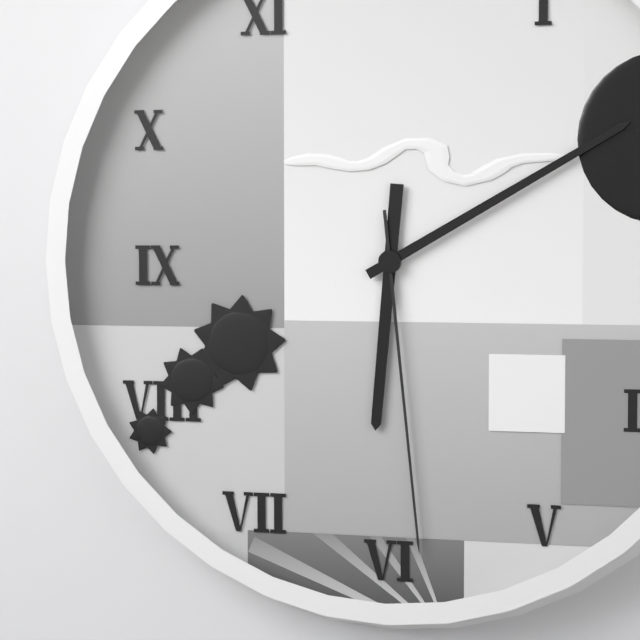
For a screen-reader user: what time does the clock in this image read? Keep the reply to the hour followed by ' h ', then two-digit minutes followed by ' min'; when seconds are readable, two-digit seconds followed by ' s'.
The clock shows 6 h 10 min 29 s
